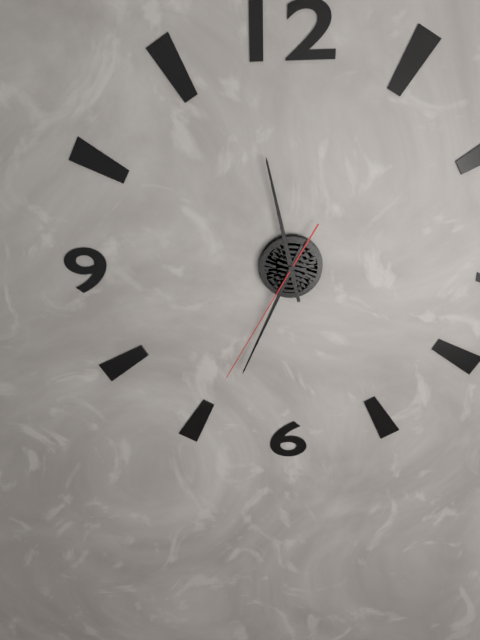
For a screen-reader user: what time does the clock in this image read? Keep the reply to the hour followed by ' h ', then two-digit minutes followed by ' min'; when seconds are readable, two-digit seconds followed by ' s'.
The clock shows 11 h 34 min 35 s
